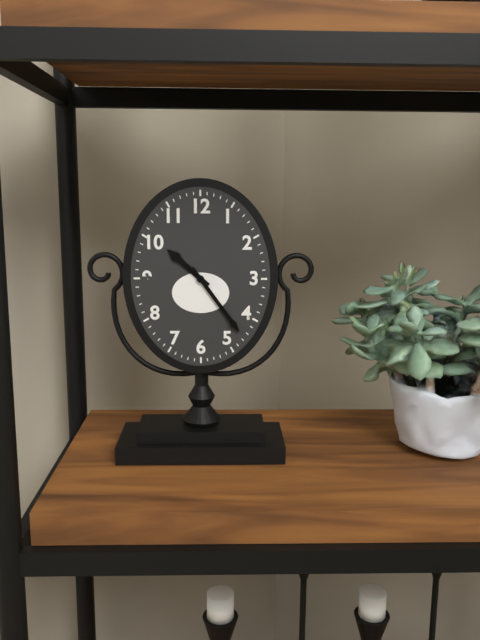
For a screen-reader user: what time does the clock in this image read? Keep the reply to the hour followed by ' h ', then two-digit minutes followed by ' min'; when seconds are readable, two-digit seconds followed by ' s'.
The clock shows 10 h 24 min
